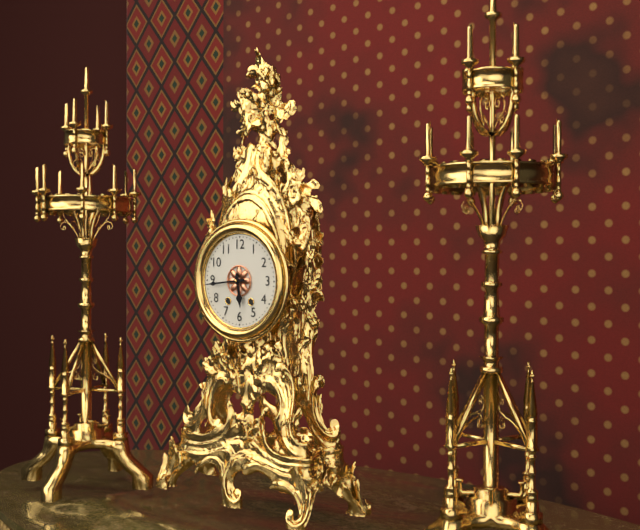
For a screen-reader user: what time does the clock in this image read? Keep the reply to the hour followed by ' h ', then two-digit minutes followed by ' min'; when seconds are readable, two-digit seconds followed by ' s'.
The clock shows 5 h 44 min
